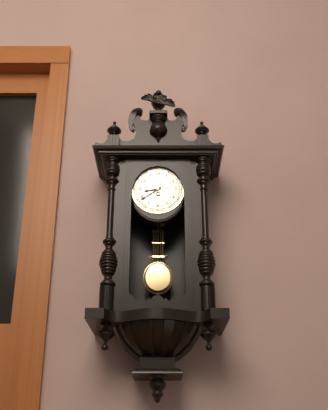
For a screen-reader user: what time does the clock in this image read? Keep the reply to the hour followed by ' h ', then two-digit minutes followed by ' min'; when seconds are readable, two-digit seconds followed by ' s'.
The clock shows 8 h 39 min
